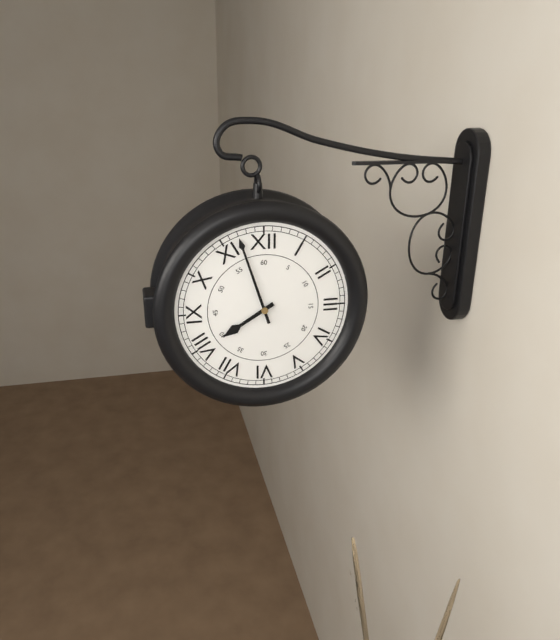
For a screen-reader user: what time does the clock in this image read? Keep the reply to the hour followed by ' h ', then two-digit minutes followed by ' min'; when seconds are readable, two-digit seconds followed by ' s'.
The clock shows 7 h 57 min
